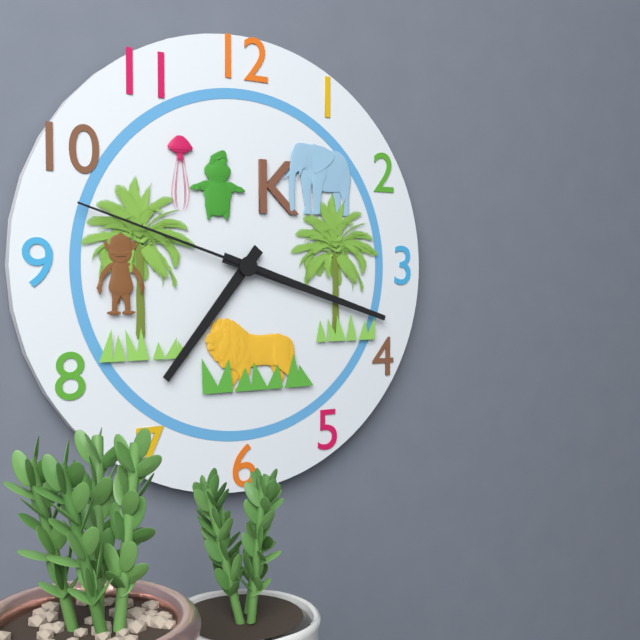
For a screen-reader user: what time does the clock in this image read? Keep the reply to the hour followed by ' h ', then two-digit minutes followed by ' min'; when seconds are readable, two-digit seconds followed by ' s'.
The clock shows 7 h 18 min 48 s
